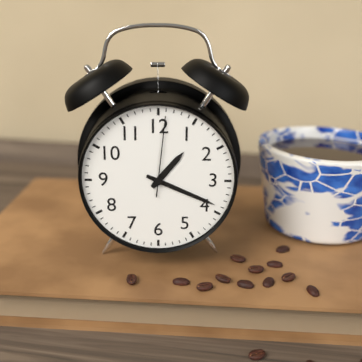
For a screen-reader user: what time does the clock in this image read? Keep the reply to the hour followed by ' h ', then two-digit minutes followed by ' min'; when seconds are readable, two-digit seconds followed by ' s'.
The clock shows 1 h 19 min 01 s
